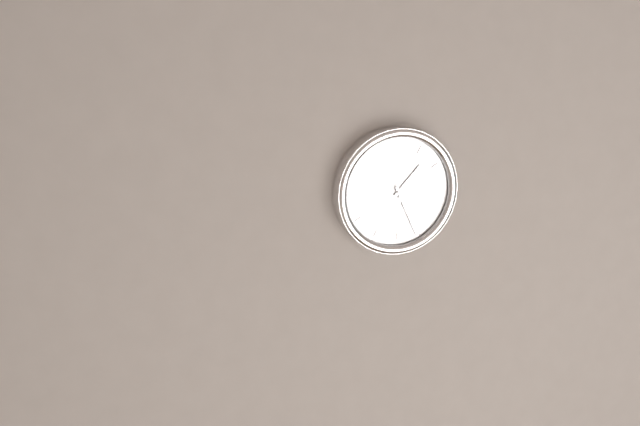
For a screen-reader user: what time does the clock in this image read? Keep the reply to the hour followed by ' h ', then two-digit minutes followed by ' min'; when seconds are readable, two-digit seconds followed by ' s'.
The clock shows 1 h 26 min 59 s
